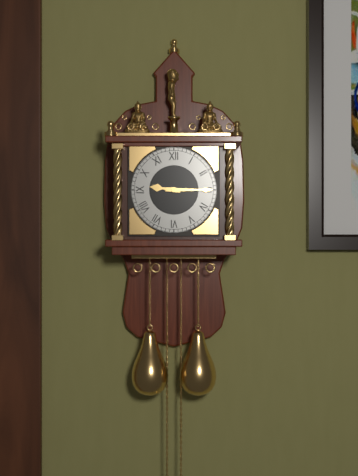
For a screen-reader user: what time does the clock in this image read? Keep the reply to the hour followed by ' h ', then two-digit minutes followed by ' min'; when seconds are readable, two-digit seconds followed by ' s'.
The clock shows 9 h 15 min
